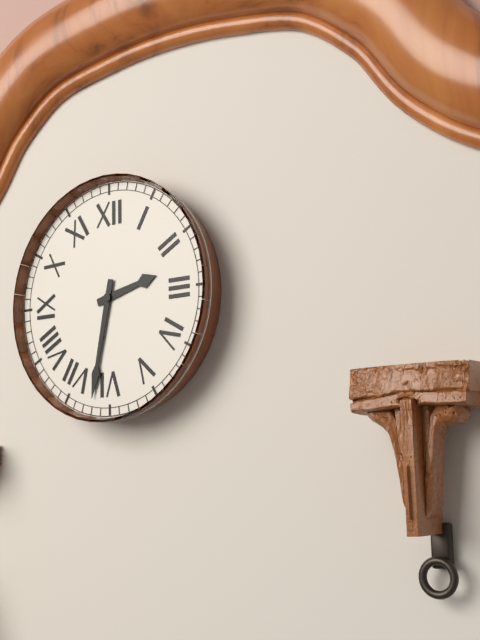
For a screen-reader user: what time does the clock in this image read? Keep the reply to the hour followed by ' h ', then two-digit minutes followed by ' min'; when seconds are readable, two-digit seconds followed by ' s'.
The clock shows 2 h 32 min
